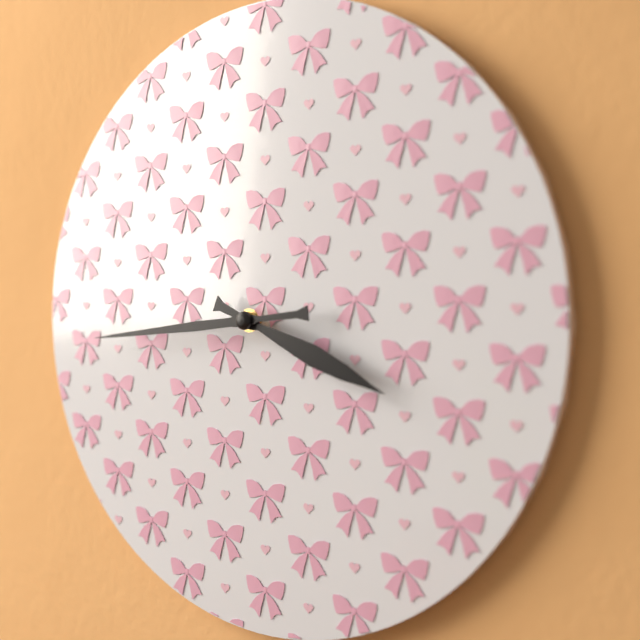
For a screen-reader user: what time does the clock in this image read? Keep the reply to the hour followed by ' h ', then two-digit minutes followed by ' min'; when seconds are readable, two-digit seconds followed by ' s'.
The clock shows 3 h 44 min
